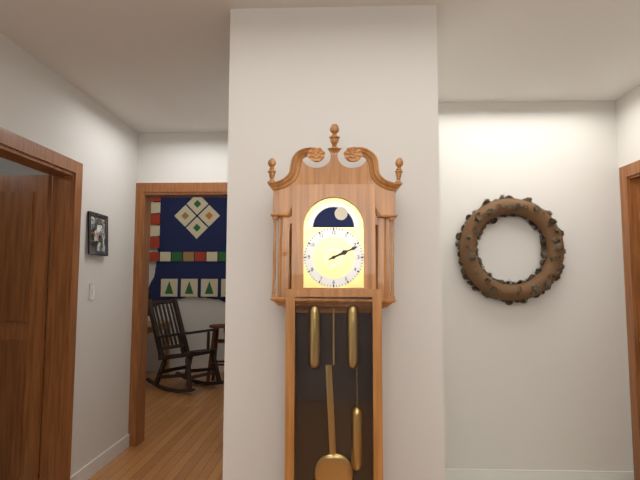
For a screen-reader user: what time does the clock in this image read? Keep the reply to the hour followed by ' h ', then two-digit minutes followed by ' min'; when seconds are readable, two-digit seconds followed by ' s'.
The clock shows 2 h 11 min
